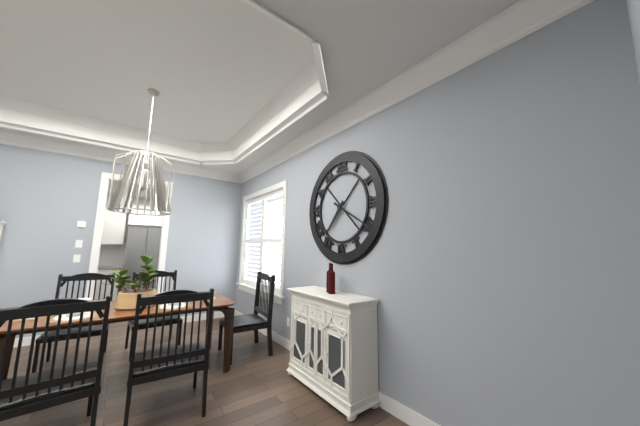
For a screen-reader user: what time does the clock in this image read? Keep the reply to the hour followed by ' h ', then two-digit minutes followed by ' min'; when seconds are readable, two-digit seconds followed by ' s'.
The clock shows 7 h 20 min
